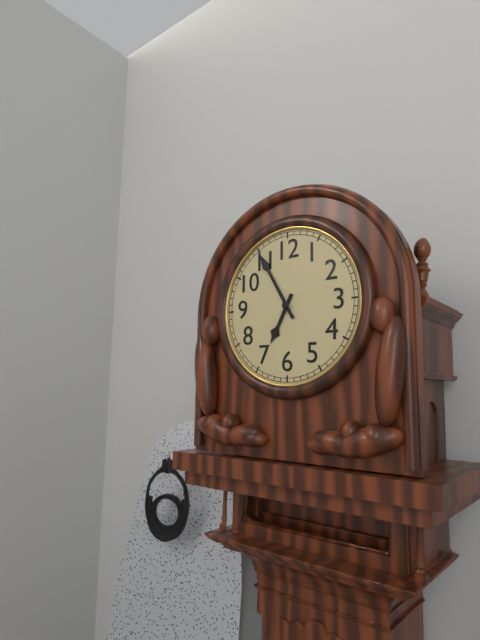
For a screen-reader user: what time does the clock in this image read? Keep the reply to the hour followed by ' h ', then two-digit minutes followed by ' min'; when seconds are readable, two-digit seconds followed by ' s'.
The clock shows 6 h 55 min
